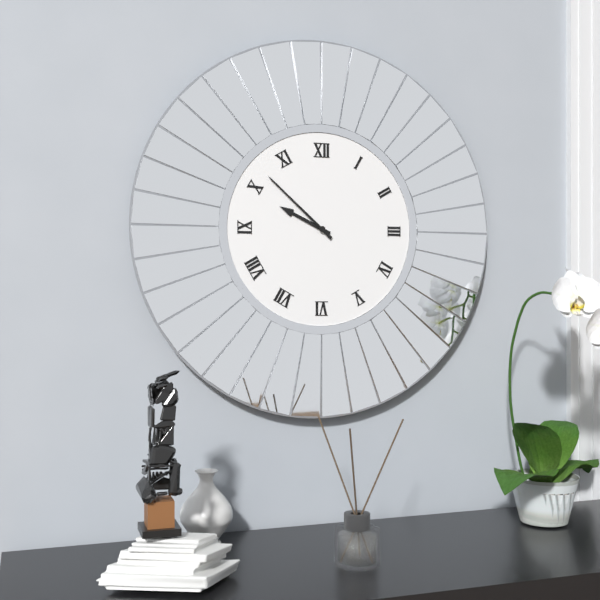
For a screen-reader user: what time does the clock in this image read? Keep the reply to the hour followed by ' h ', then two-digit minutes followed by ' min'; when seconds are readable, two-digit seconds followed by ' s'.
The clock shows 9 h 52 min
